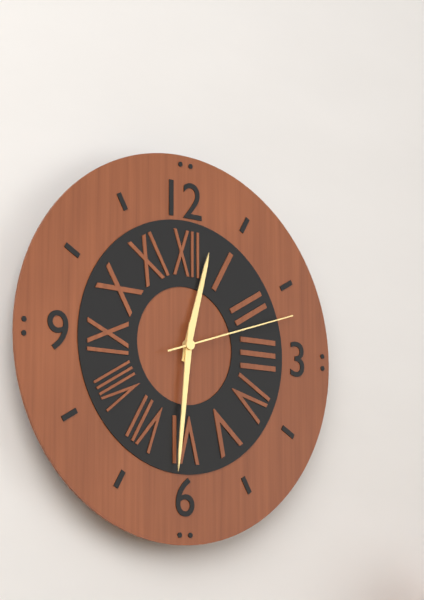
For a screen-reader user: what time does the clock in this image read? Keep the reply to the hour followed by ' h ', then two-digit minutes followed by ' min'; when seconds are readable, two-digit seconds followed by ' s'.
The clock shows 12 h 31 min 12 s
